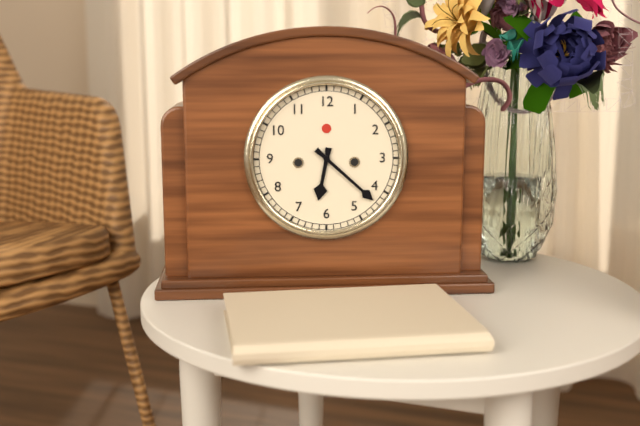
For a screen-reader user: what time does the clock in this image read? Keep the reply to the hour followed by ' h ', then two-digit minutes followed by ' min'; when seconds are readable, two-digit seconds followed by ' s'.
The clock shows 6 h 22 min
